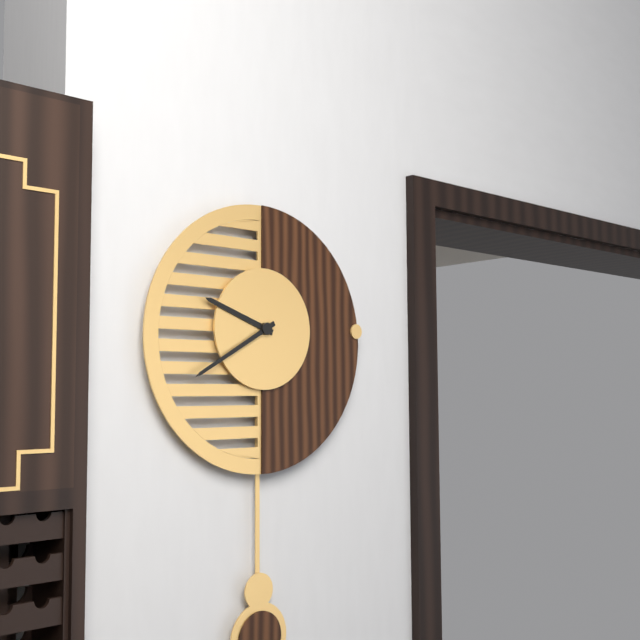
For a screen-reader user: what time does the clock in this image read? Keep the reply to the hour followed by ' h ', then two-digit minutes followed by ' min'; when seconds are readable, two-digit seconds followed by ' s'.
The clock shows 9 h 40 min
